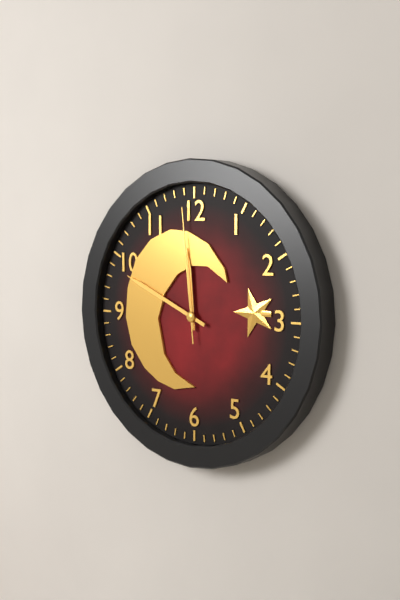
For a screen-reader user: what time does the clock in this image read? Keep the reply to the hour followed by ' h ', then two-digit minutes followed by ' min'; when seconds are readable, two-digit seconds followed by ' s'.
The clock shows 11 h 49 min 59 s
